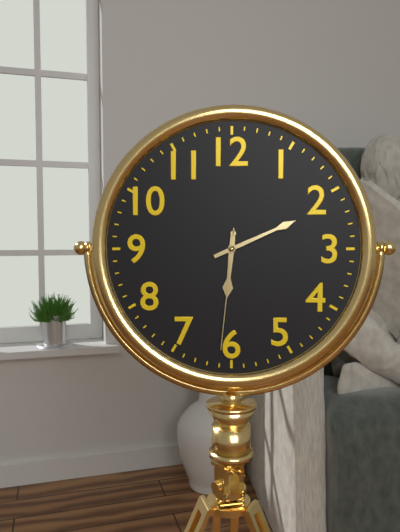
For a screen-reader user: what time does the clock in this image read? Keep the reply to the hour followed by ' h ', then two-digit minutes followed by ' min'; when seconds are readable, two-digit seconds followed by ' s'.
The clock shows 6 h 11 min 31 s
